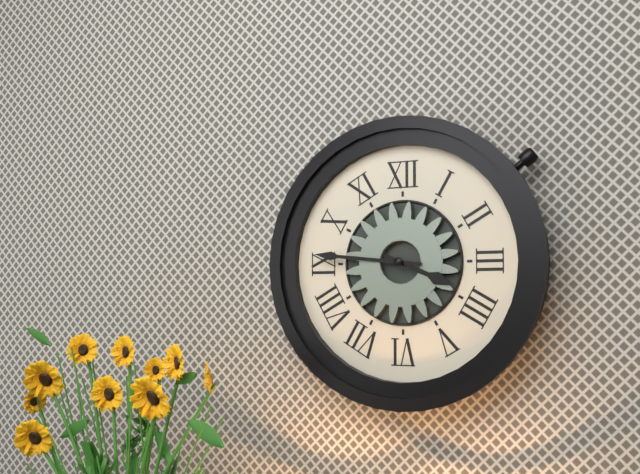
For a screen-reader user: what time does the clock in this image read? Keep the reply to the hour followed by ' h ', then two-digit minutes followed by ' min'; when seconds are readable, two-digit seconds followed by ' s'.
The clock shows 3 h 46 min
